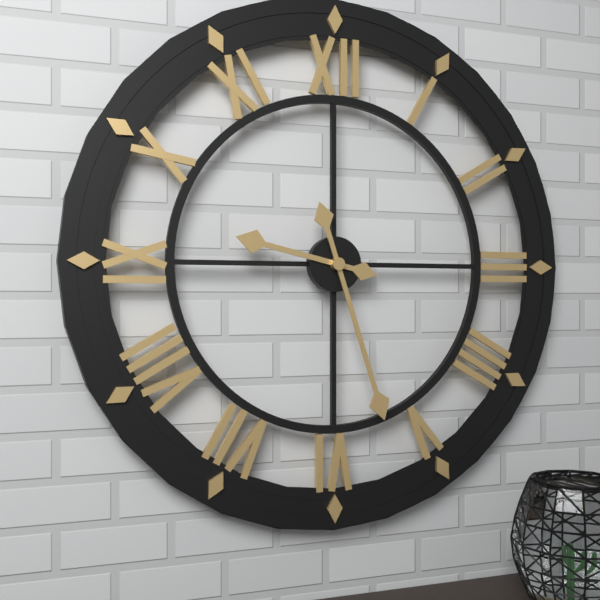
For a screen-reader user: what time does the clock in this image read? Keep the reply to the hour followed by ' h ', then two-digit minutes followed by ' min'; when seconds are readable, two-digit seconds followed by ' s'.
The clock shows 9 h 27 min
